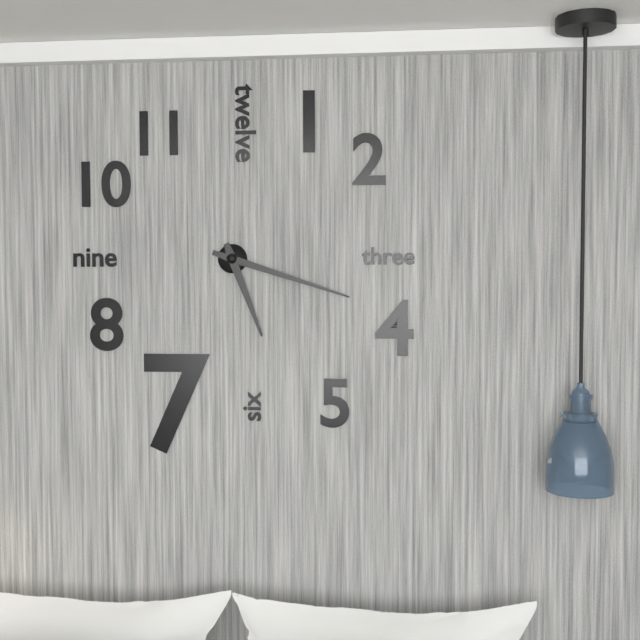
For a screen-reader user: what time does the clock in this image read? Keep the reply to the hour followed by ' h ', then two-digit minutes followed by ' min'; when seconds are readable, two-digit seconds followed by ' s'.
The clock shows 5 h 18 min
